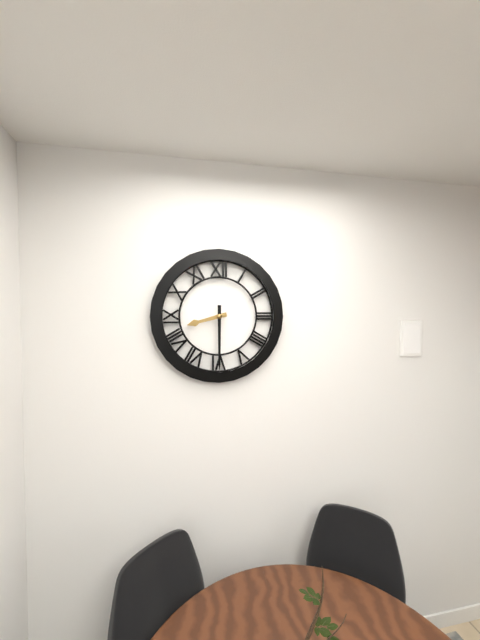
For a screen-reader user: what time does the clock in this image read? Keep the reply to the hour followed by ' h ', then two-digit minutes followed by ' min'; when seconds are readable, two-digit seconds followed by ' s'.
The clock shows 8 h 30 min
